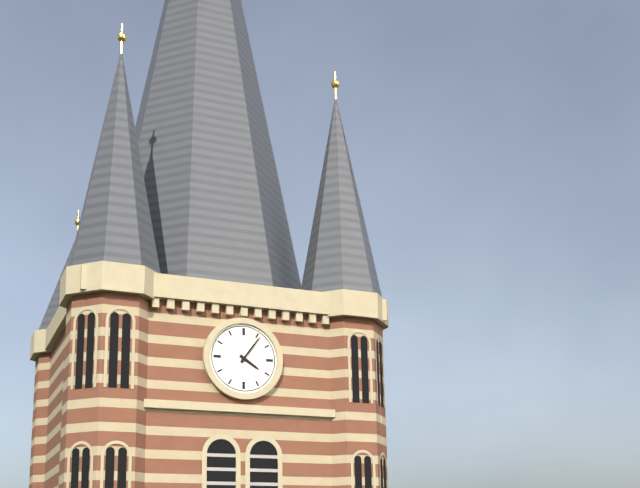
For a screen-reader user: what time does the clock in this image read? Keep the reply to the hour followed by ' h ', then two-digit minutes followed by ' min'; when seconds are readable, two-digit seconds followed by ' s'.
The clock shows 4 h 06 min
